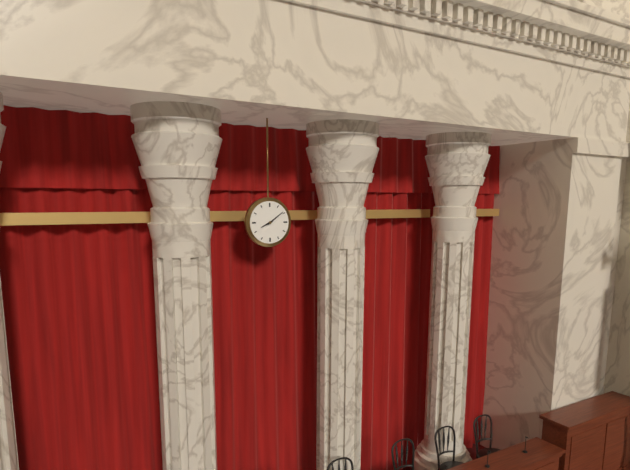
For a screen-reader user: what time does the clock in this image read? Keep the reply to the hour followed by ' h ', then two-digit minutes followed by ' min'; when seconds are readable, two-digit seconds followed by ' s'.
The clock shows 8 h 09 min
